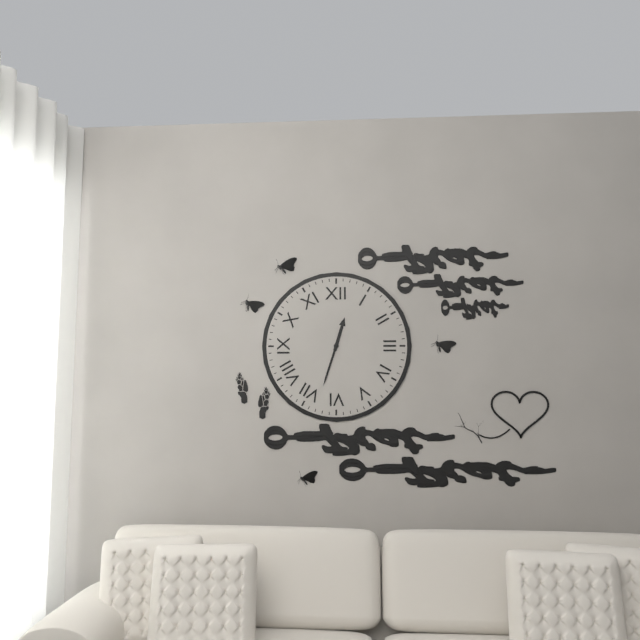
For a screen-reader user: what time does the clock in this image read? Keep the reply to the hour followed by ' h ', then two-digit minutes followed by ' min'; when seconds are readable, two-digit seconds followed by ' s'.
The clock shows 12 h 33 min
